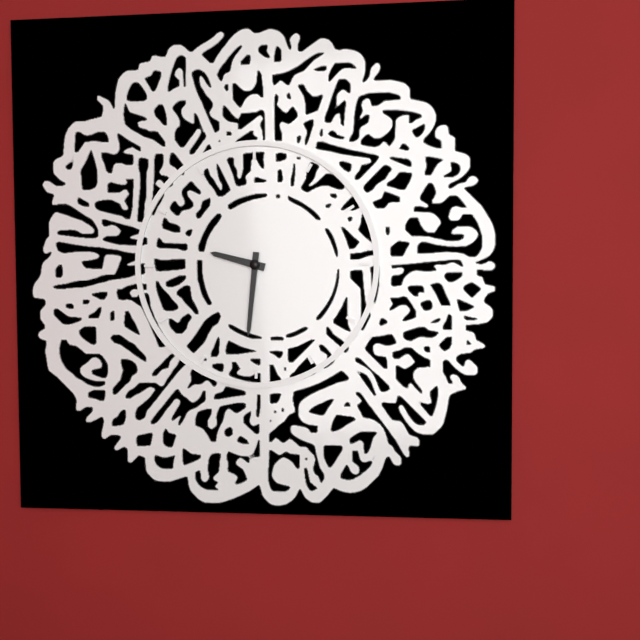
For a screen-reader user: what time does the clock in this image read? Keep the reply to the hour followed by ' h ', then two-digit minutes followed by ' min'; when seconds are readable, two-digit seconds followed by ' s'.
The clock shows 9 h 31 min
